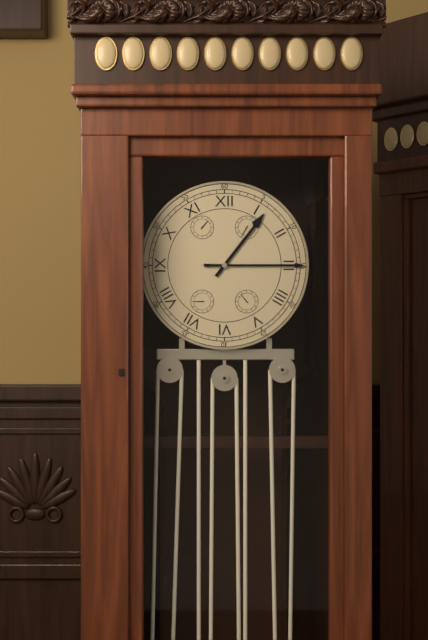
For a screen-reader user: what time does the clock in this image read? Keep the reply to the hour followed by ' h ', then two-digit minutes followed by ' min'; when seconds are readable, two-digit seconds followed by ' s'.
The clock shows 1 h 15 min
